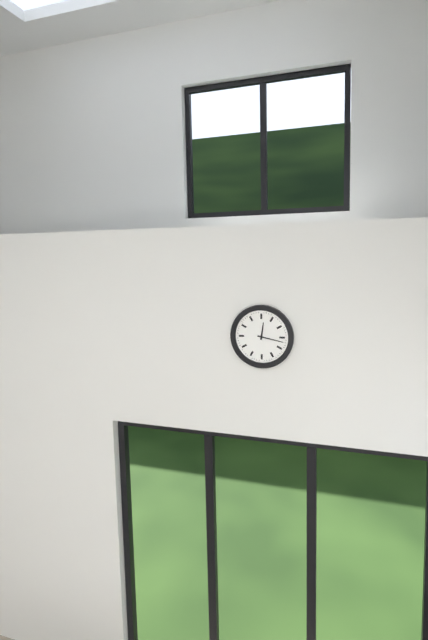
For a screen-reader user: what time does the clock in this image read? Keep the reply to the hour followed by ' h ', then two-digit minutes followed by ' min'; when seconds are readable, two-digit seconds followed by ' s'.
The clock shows 12 h 17 min
